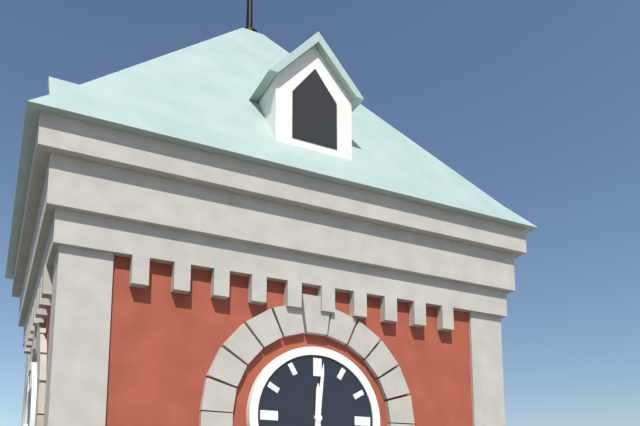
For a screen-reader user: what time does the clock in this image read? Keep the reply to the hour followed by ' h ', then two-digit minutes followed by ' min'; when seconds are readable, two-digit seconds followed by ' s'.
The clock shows 12 h 01 min
